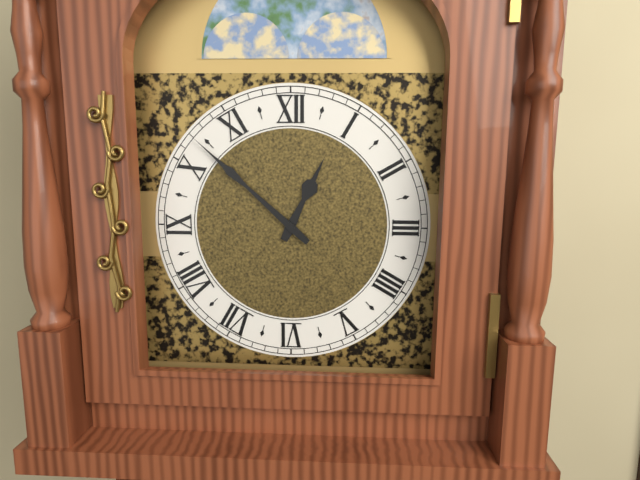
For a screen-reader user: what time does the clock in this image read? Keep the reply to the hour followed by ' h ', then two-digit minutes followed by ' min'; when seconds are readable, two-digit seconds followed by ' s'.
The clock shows 12 h 52 min
